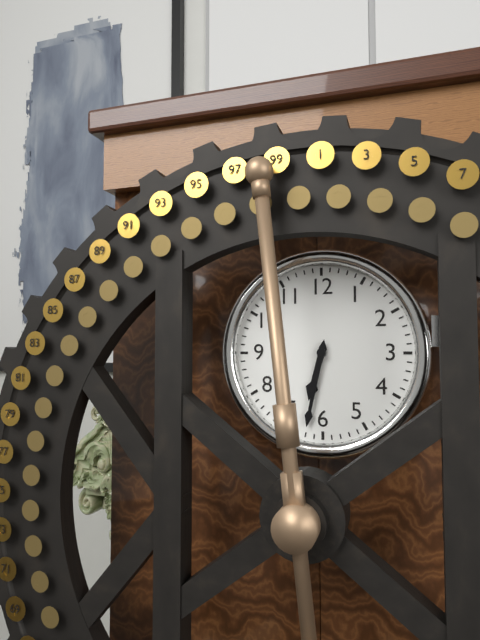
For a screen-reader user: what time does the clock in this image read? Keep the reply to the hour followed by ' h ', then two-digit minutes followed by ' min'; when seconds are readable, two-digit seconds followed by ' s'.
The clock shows 6 h 32 min
